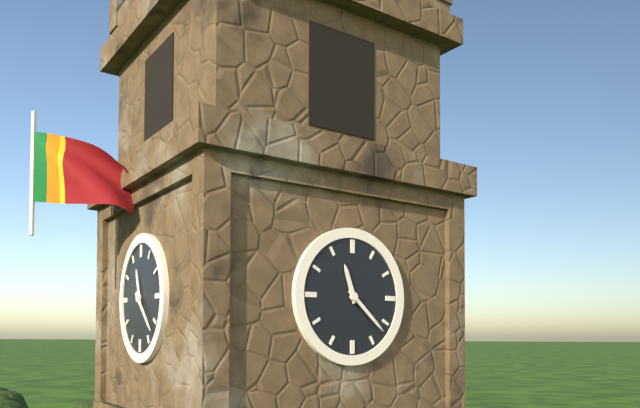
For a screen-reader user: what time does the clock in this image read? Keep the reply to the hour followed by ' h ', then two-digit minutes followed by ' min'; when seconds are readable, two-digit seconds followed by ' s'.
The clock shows 11 h 22 min
